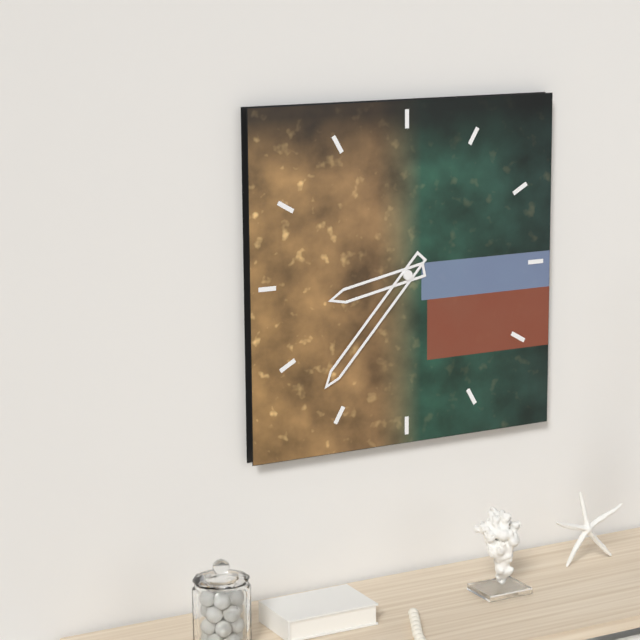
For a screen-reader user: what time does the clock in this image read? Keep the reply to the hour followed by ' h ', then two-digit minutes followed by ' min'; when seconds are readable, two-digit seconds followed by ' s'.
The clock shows 8 h 37 min
